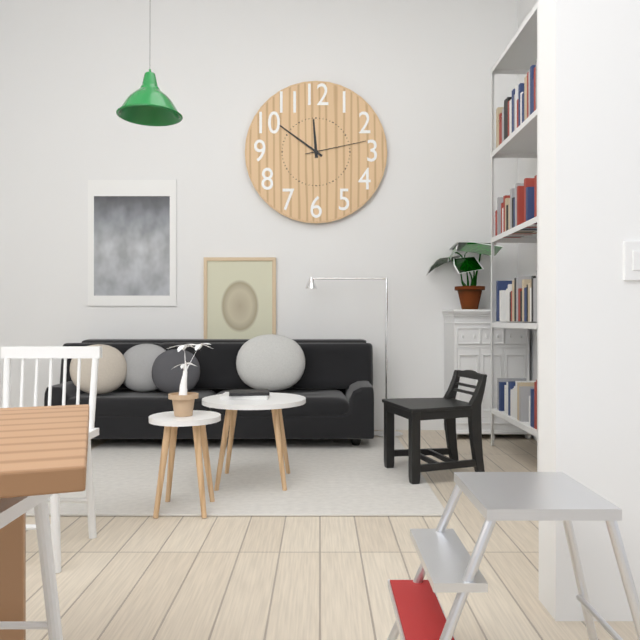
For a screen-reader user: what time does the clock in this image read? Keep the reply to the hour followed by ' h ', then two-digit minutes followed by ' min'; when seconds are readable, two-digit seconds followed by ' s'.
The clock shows 11 h 51 min 13 s
